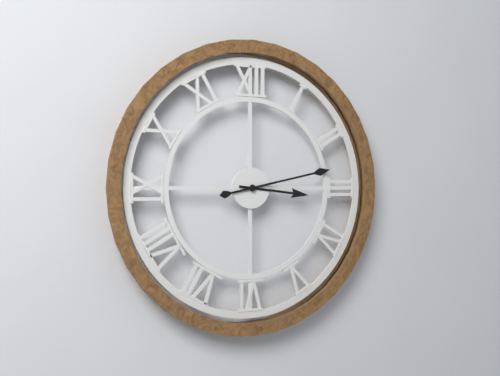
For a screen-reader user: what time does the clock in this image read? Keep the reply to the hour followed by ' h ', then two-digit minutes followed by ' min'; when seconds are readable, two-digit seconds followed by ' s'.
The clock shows 3 h 13 min
